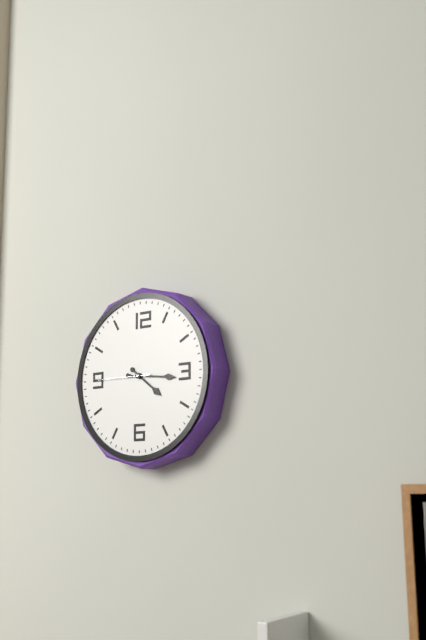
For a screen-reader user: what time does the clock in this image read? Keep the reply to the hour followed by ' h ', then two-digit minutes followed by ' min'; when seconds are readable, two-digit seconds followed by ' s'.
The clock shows 4 h 16 min 45 s
